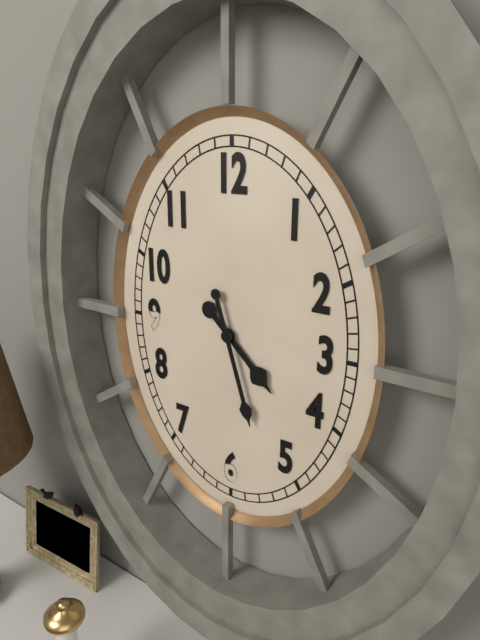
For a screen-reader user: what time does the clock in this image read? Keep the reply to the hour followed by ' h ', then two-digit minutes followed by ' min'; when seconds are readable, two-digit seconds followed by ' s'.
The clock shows 4 h 27 min
